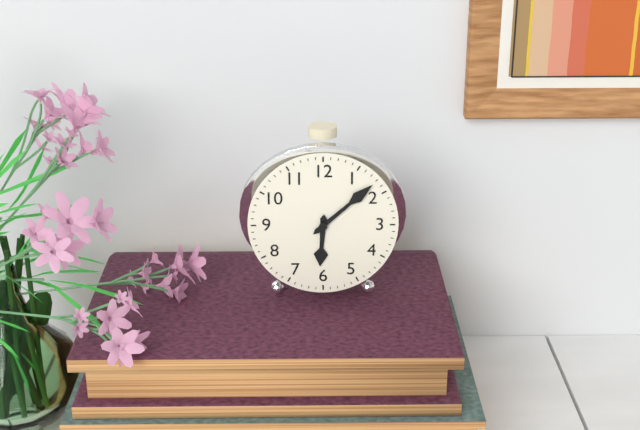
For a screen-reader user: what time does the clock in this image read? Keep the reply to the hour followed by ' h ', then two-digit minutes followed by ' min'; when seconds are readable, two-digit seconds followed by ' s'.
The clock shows 6 h 08 min
